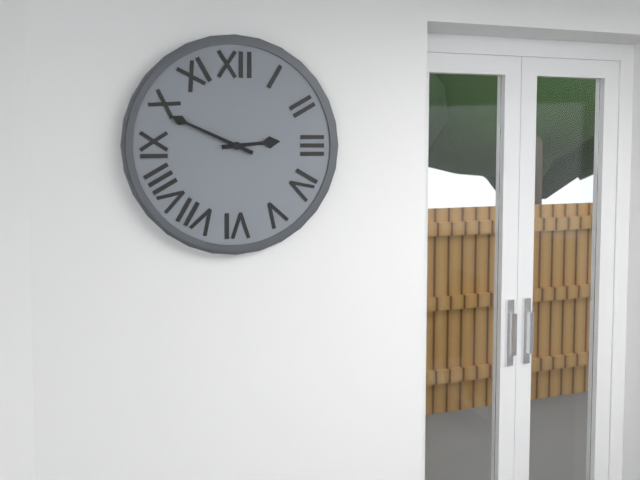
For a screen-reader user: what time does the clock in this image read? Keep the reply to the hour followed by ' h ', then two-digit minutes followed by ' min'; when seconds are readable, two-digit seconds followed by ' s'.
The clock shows 2 h 49 min
